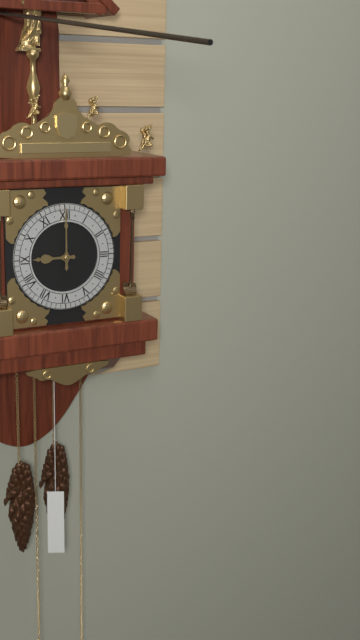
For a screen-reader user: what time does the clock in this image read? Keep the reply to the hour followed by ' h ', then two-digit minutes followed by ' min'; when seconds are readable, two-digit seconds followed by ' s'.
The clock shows 9 h 00 min
